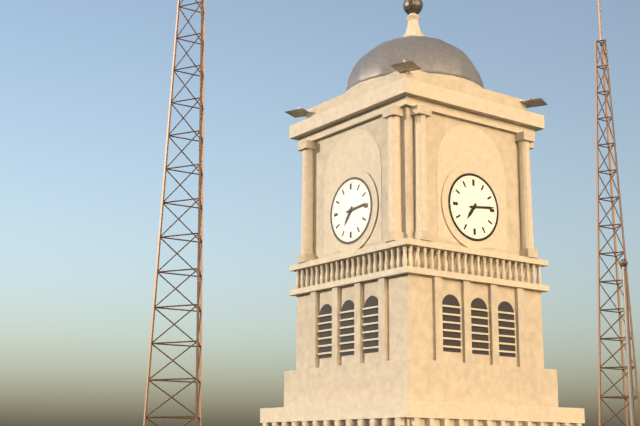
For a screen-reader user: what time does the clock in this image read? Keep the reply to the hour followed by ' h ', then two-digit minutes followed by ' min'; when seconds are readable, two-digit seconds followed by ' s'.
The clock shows 7 h 14 min
